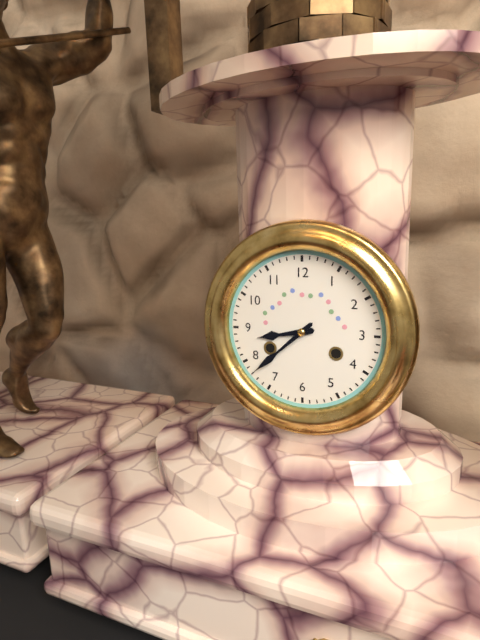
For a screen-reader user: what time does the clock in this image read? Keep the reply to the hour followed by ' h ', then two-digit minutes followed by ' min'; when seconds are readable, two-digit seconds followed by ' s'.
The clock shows 8 h 38 min
